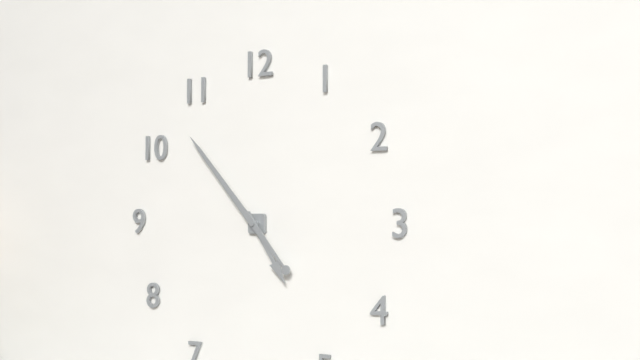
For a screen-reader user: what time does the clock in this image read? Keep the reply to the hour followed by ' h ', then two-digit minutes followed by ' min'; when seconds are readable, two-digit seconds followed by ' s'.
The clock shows 4 h 53 min
